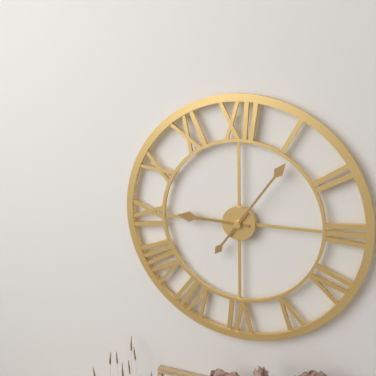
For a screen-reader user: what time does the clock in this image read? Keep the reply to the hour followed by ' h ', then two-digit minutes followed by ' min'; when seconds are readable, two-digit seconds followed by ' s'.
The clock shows 9 h 06 min
